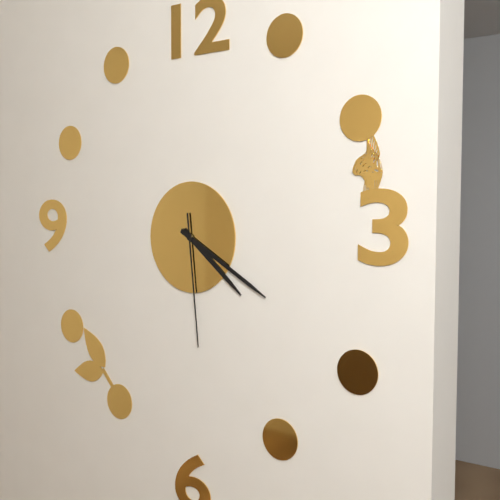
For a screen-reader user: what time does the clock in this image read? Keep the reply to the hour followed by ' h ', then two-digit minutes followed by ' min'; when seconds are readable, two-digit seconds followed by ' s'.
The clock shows 4 h 20 min 29 s
